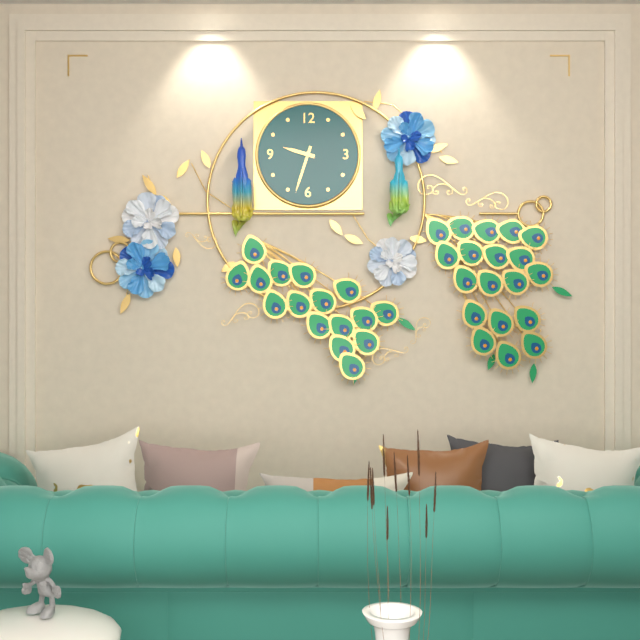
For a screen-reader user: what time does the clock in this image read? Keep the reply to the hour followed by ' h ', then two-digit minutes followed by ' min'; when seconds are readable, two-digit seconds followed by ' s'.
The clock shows 9 h 33 min
